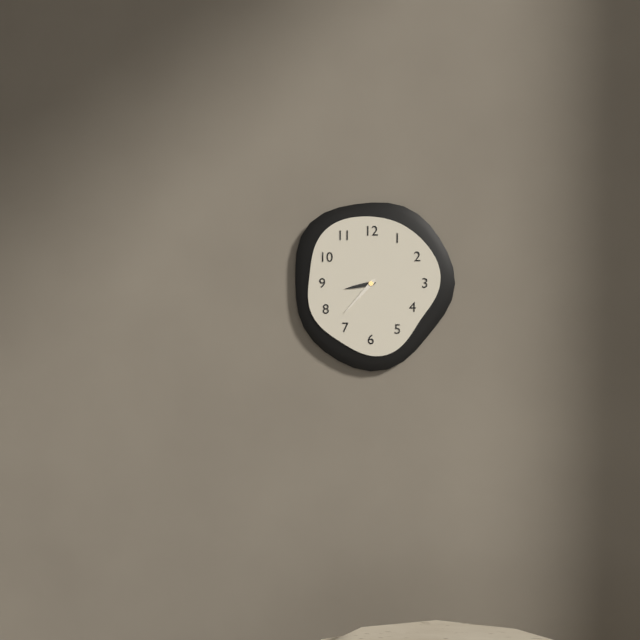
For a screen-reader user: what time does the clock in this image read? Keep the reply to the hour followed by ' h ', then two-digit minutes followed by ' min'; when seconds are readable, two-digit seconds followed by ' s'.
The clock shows 8 h 37 min
